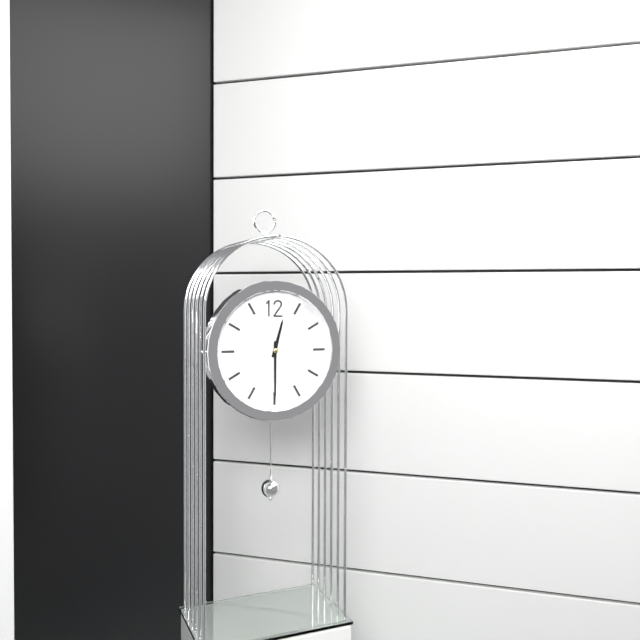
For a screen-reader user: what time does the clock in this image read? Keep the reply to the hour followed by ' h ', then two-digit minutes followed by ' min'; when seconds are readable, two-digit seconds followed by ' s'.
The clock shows 12 h 30 min
